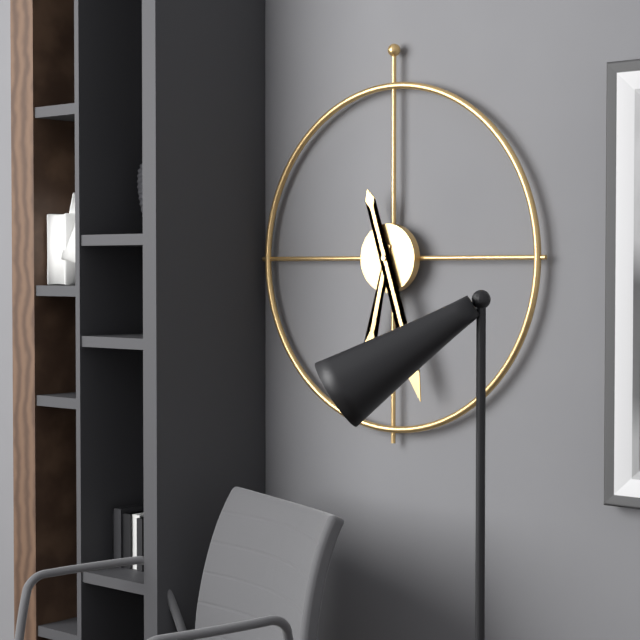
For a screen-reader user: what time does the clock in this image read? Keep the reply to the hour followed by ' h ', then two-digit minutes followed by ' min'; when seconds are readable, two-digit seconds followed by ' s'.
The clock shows 6 h 27 min
